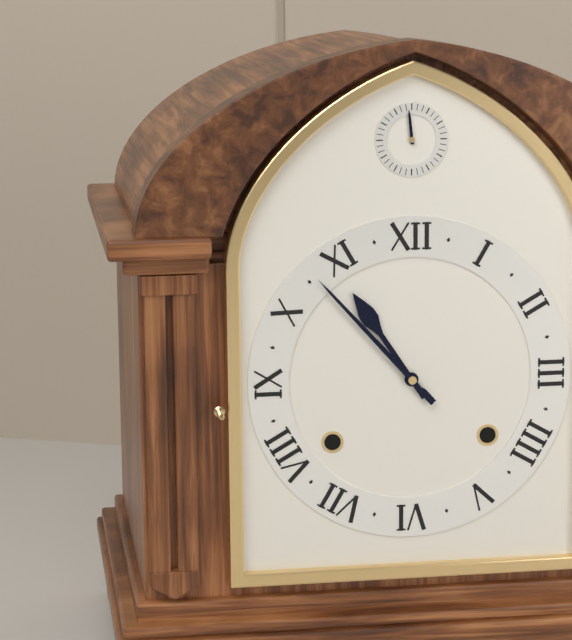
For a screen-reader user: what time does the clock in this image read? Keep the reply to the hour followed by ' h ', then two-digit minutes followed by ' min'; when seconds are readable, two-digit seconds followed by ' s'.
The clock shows 10 h 53 min
